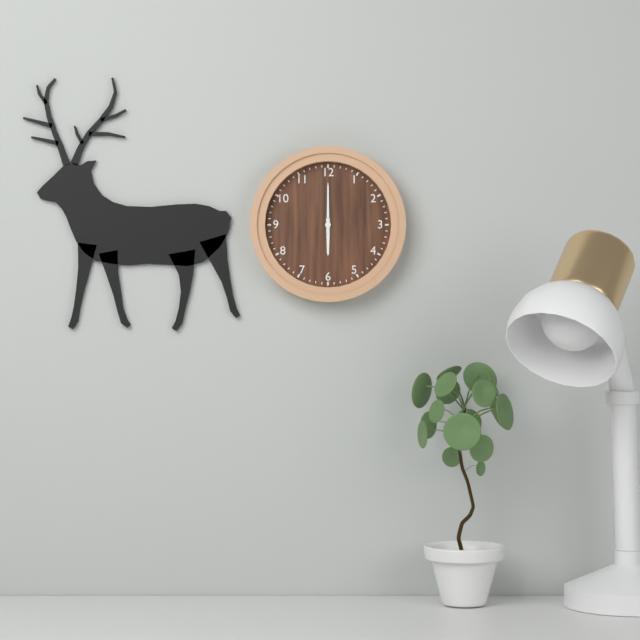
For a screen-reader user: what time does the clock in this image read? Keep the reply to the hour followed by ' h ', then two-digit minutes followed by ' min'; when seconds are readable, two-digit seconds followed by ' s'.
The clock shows 6 h 00 min
